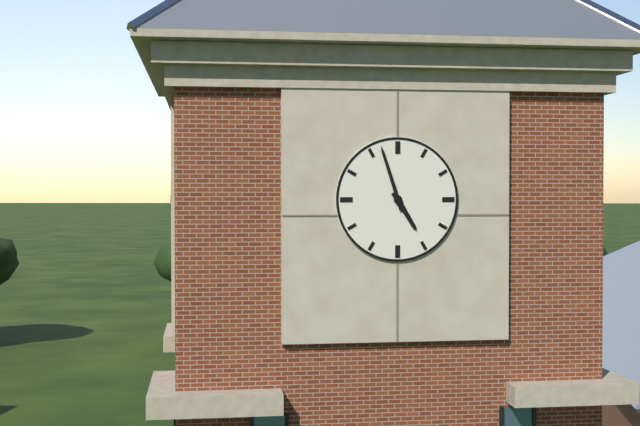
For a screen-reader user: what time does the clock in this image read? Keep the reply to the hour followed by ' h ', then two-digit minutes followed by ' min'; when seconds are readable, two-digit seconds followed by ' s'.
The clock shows 4 h 57 min
